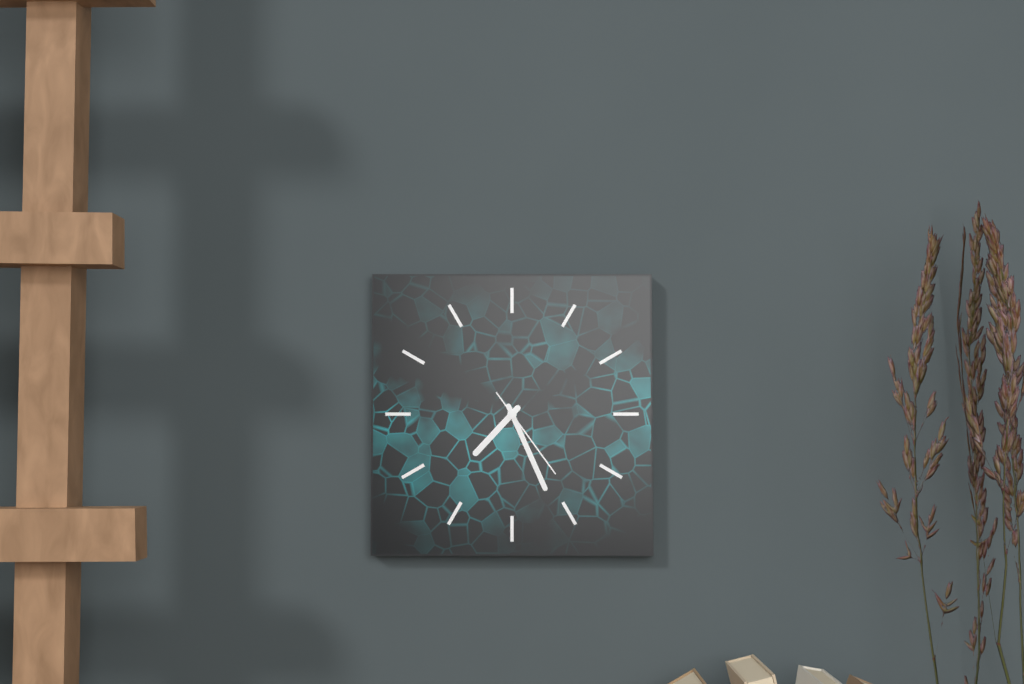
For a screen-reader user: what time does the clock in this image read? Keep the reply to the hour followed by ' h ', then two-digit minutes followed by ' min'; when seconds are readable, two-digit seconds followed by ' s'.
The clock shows 7 h 26 min 24 s
